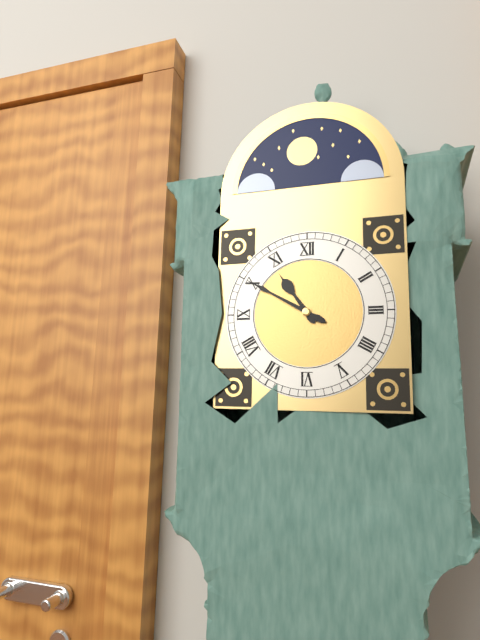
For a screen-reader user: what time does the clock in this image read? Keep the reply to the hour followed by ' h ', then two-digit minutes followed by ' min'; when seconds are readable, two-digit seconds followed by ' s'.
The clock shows 10 h 50 min
